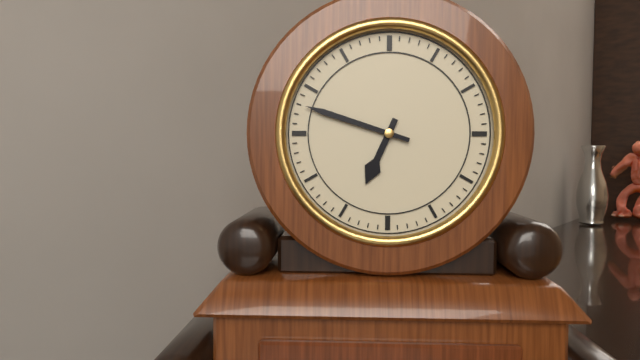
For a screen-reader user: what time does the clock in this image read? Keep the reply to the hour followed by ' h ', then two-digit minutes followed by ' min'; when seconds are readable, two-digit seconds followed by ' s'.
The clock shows 6 h 48 min
